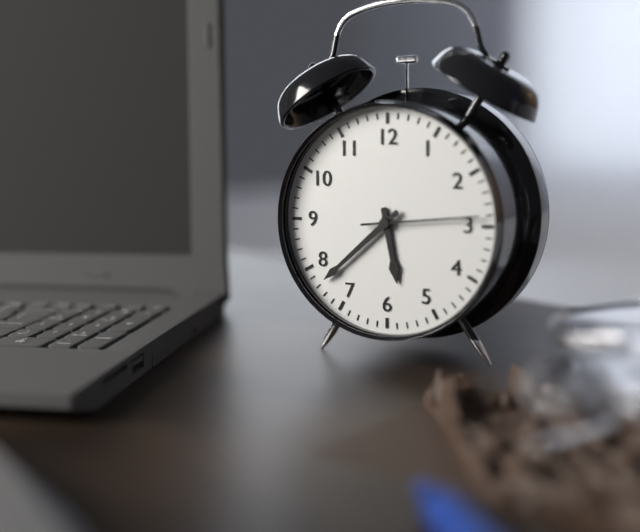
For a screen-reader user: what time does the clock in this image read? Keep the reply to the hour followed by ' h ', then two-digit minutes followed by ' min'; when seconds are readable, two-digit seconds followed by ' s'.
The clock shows 5 h 38 min 14 s
